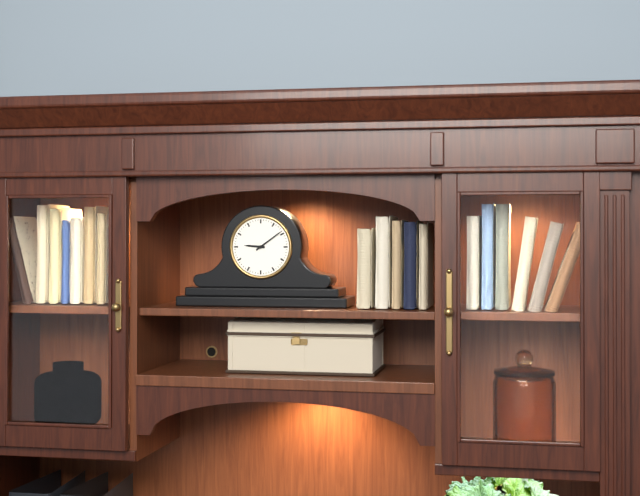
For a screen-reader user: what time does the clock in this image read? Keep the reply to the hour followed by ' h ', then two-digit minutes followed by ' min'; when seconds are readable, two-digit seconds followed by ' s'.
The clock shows 9 h 09 min
